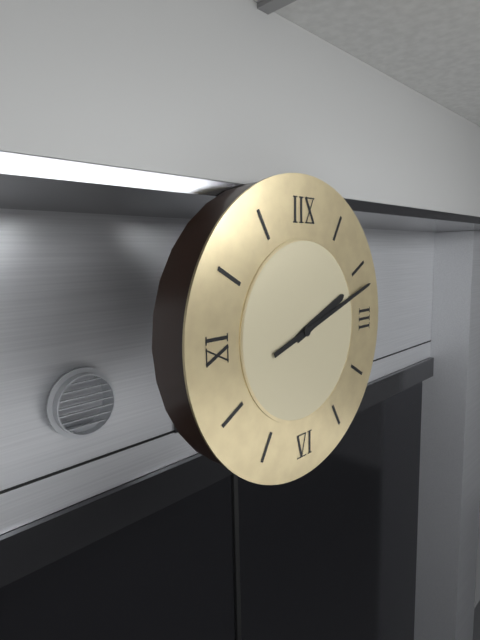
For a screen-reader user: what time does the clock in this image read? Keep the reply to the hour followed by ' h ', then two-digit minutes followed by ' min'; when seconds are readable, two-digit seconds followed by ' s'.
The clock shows 2 h 12 min
